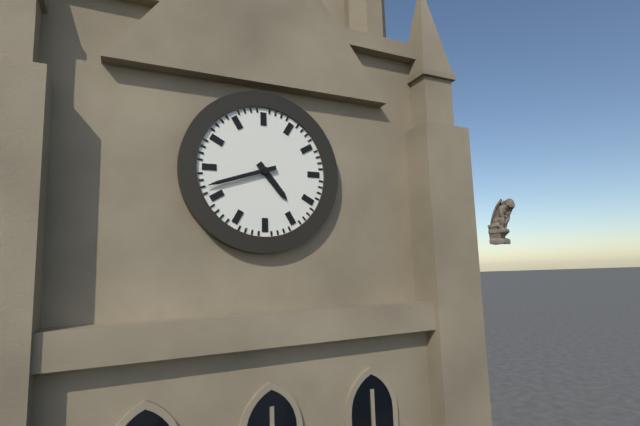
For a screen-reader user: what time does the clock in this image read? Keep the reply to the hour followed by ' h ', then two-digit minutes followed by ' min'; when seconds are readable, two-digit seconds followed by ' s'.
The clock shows 4 h 42 min
